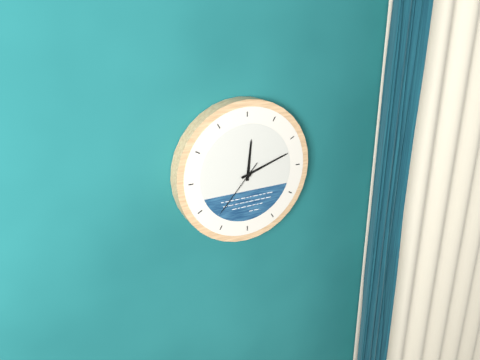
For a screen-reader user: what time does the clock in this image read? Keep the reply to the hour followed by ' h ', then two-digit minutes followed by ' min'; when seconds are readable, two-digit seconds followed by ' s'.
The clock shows 12 h 12 min 37 s
